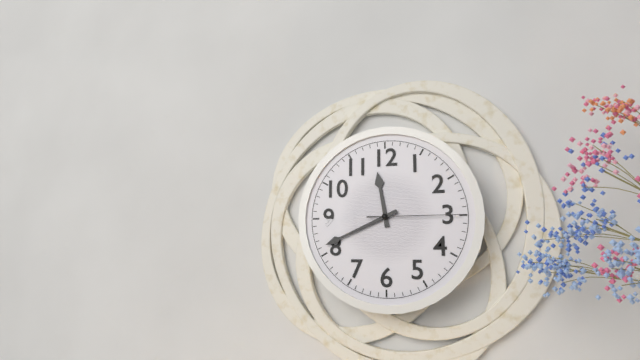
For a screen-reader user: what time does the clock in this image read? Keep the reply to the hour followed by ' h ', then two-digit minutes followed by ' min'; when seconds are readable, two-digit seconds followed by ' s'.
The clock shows 11 h 41 min 15 s
